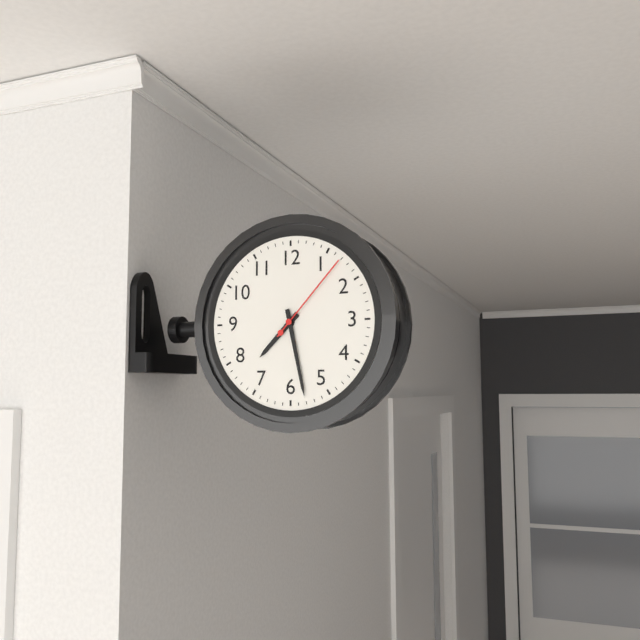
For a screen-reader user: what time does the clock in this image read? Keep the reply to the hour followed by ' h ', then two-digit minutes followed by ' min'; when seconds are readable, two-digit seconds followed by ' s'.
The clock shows 7 h 28 min 07 s
